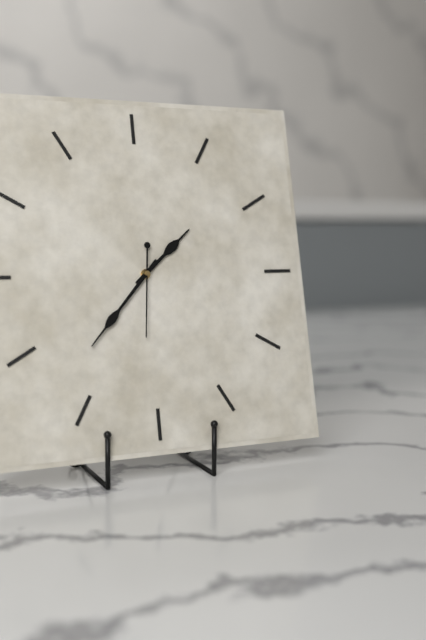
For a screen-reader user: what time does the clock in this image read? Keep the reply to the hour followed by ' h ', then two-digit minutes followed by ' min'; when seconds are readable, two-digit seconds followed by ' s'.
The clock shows 1 h 37 min 31 s
